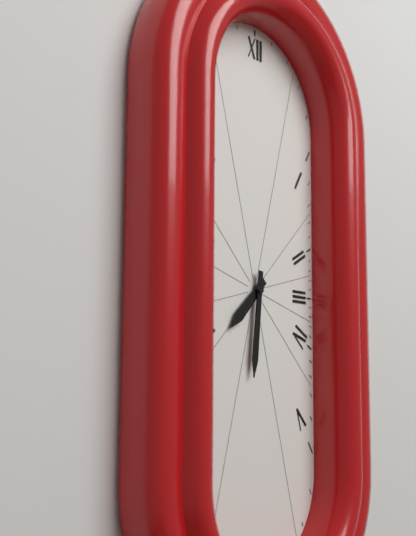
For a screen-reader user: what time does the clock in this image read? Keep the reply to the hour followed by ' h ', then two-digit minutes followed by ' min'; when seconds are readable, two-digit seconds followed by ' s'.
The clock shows 7 h 31 min
